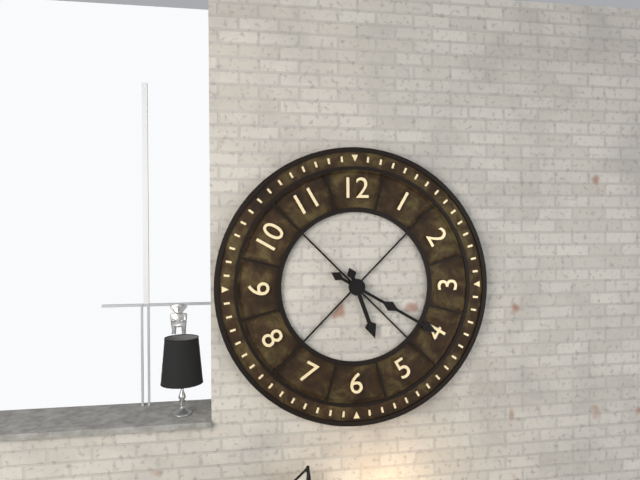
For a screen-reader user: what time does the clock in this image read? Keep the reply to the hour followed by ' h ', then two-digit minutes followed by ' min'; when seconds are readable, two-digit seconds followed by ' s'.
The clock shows 5 h 20 min
